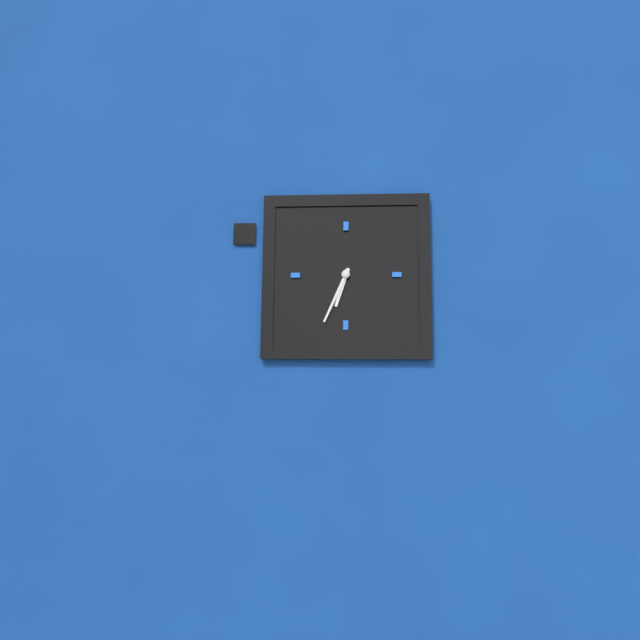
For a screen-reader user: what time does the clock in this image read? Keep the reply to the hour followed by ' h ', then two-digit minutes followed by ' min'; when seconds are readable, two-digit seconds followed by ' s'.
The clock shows 6 h 34 min
